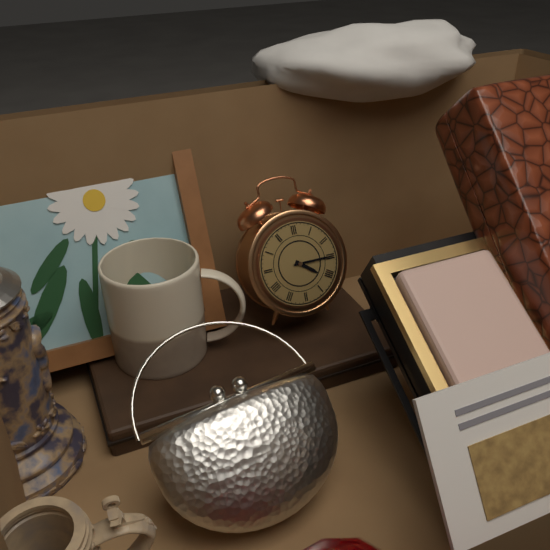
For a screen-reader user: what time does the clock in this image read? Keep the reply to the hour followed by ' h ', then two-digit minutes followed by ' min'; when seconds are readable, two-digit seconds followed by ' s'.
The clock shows 4 h 15 min
